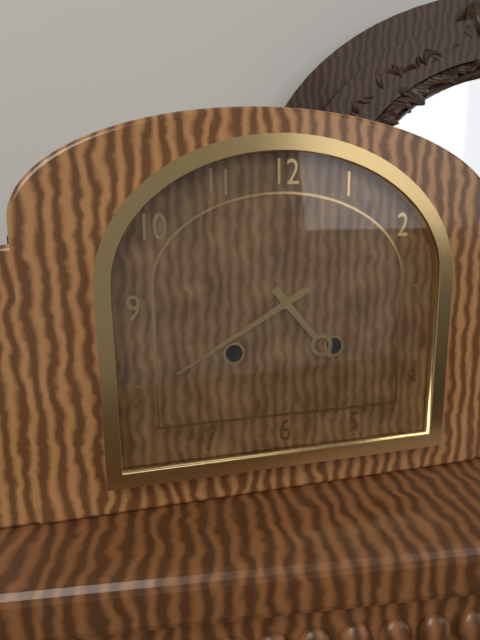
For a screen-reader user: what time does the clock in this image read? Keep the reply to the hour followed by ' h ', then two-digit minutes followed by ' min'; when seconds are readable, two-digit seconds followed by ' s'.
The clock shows 4 h 40 min
